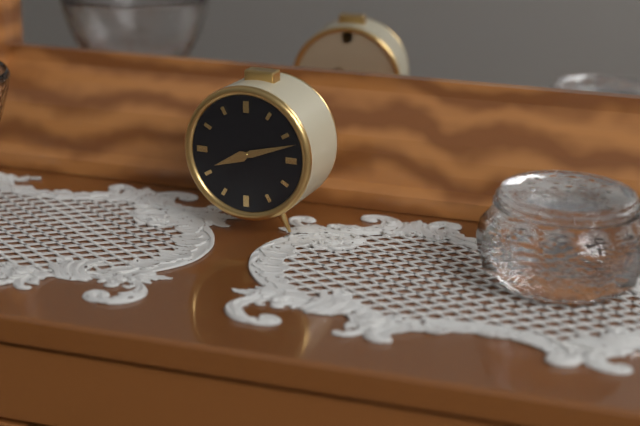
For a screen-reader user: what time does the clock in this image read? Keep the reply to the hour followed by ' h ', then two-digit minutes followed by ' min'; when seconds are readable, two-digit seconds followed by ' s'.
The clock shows 8 h 12 min
